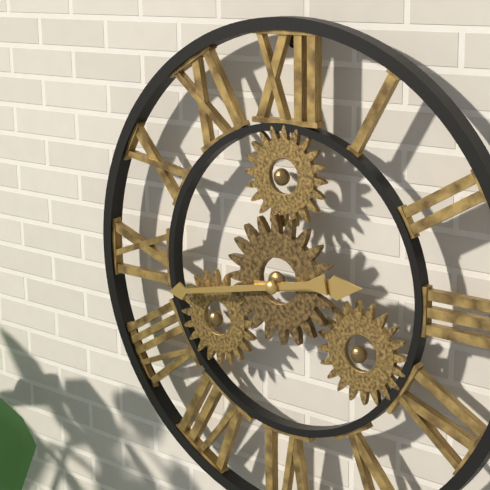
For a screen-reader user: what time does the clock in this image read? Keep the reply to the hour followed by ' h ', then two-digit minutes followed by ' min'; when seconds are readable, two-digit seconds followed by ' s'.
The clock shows 2 h 43 min
